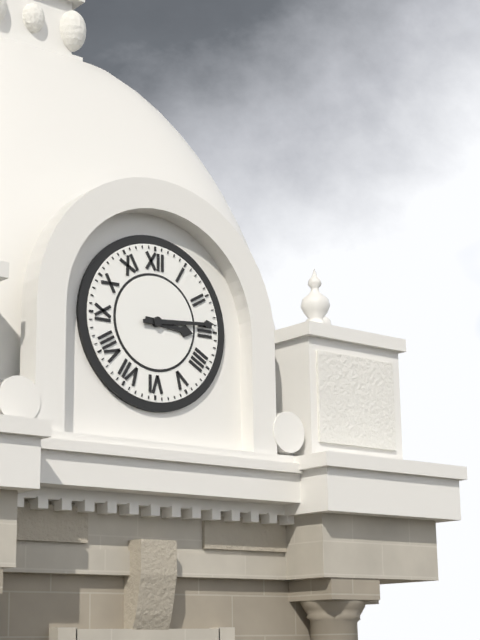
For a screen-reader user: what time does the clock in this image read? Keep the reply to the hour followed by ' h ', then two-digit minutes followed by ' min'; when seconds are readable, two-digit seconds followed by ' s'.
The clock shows 3 h 14 min
